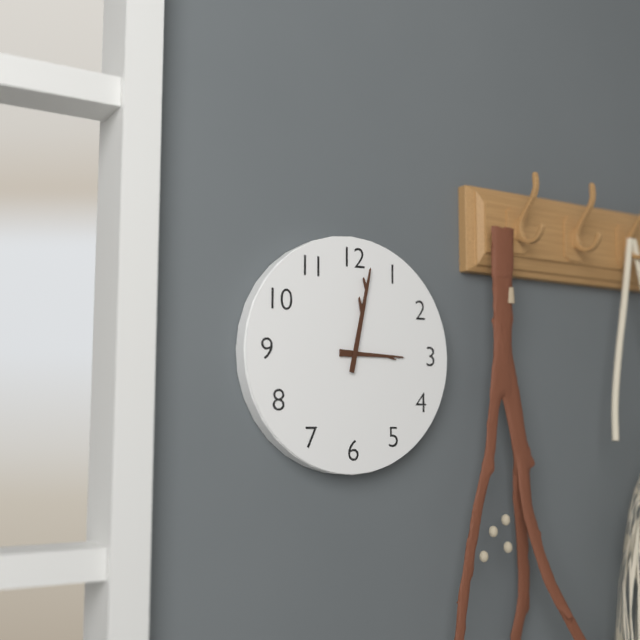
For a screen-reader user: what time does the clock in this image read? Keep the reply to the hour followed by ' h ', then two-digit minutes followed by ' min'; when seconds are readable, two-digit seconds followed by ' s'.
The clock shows 3 h 02 min
